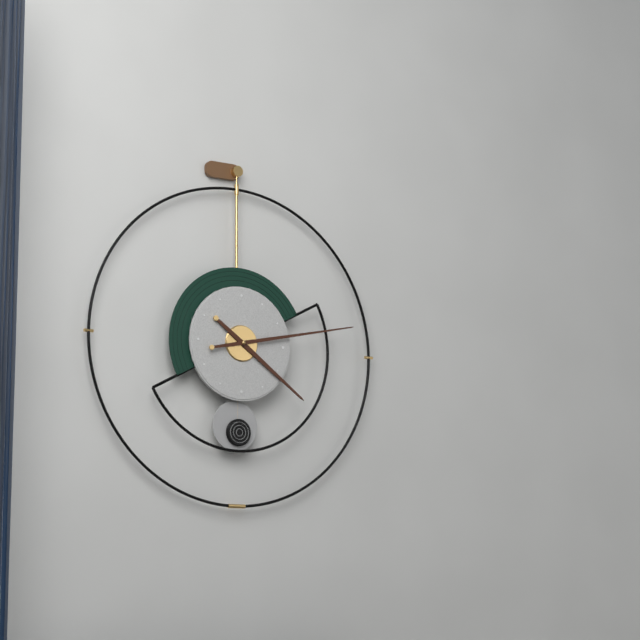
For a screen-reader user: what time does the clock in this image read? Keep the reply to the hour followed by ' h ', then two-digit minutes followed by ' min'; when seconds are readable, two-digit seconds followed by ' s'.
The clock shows 4 h 13 min
